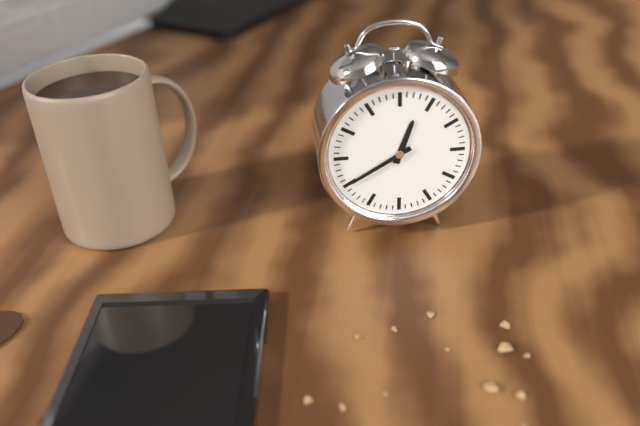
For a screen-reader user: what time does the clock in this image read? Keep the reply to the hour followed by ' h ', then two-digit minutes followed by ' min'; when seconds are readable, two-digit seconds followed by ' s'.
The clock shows 12 h 40 min
